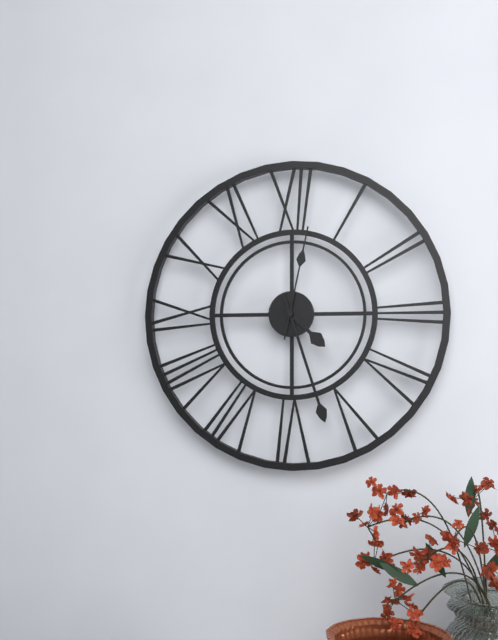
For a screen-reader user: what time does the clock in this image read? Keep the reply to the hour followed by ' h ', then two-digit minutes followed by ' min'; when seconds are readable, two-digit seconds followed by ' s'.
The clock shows 4 h 27 min 02 s
